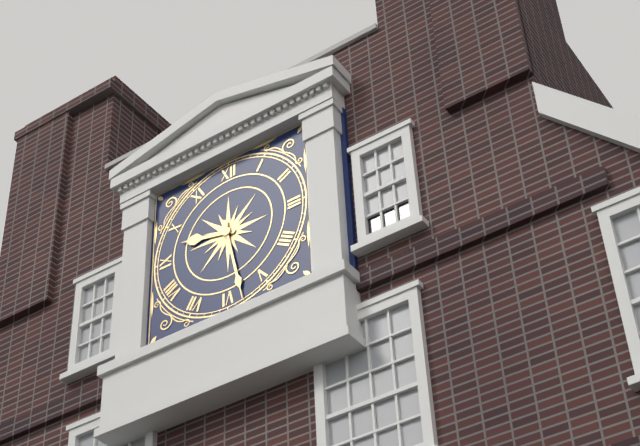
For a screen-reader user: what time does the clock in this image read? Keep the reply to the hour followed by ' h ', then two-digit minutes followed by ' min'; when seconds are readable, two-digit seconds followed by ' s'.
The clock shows 9 h 28 min
